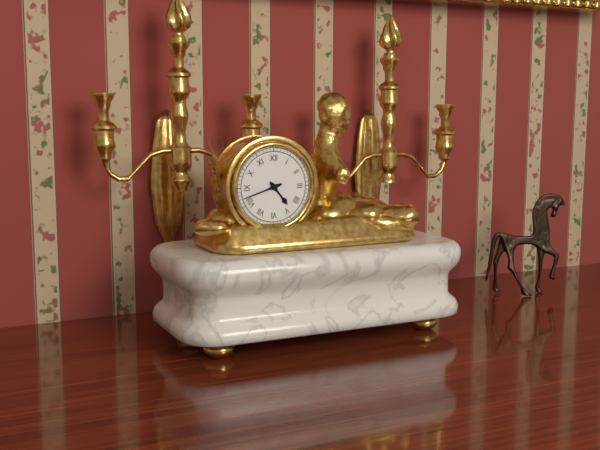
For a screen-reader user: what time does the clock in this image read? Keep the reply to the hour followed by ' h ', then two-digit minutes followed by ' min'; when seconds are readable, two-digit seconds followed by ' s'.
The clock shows 4 h 42 min
